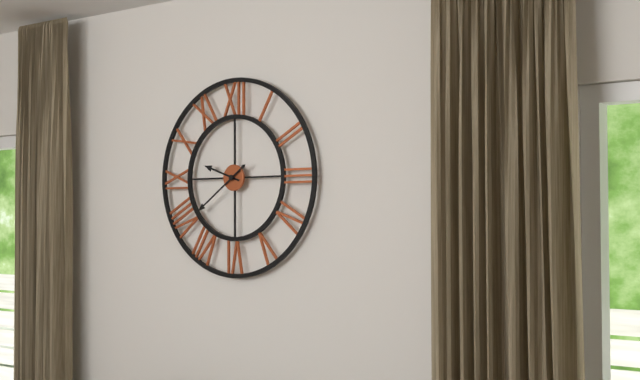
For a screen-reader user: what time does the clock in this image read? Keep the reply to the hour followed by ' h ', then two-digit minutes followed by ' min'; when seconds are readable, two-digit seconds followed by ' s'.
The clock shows 9 h 39 min
